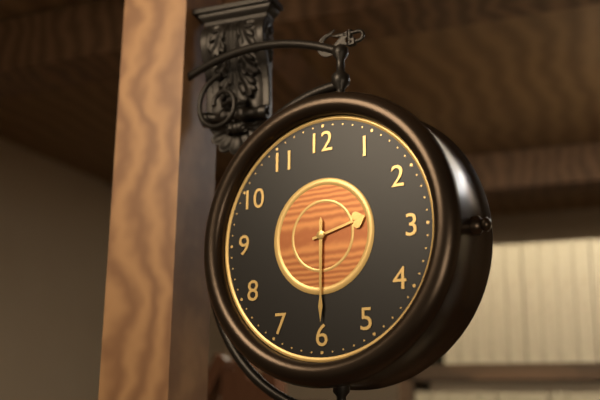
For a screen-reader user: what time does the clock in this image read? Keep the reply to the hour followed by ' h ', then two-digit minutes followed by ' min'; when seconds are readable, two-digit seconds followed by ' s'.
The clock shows 2 h 30 min
